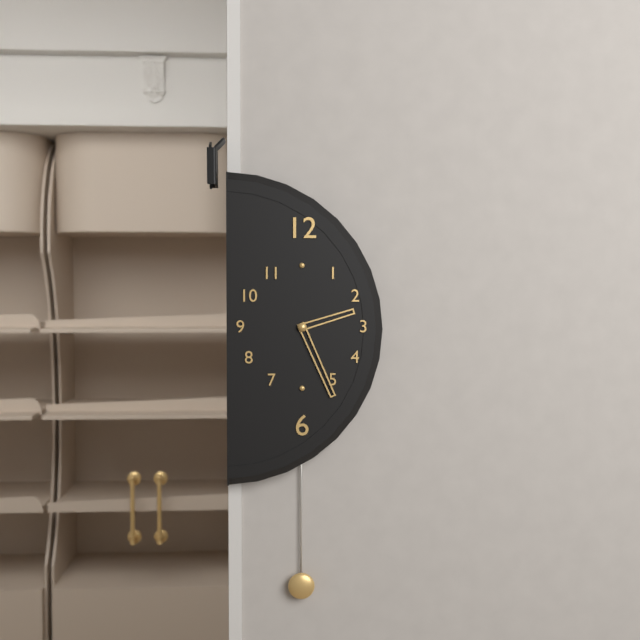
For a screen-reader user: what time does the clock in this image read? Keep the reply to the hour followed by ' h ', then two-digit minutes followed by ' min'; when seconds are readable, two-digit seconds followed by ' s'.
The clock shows 2 h 26 min
